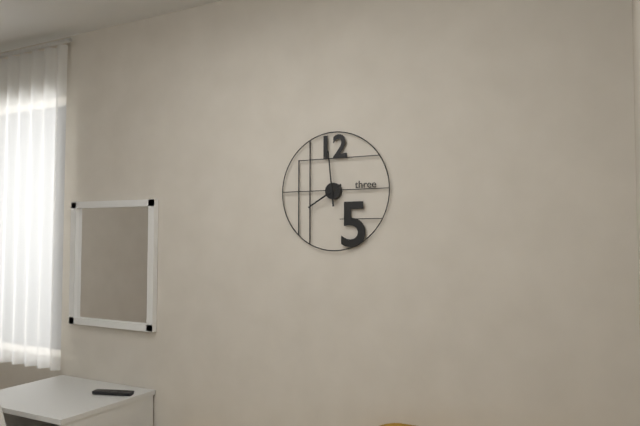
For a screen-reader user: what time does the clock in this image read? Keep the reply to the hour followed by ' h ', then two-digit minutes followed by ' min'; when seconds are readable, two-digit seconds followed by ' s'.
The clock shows 7 h 59 min
